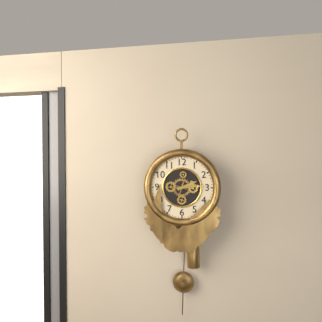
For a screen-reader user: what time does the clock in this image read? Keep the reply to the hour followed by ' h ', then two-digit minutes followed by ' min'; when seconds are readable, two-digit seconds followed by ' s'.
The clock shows 2 h 14 min
